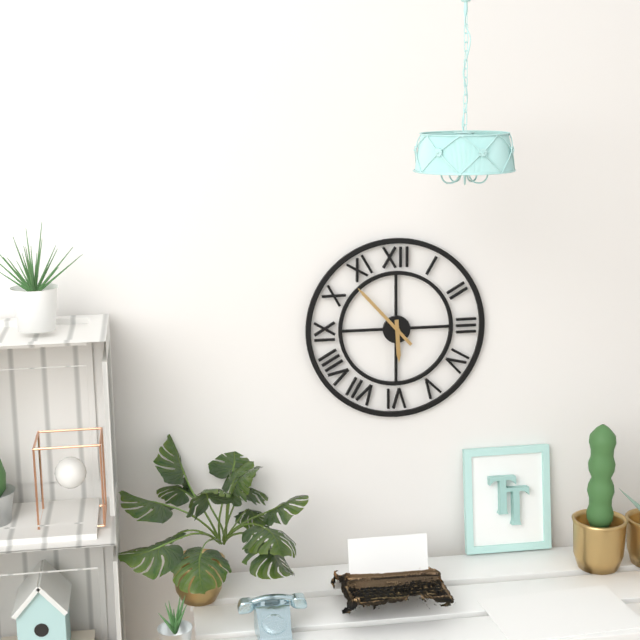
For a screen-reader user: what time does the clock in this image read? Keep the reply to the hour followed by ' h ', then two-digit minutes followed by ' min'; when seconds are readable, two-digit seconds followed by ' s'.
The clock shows 5 h 53 min
